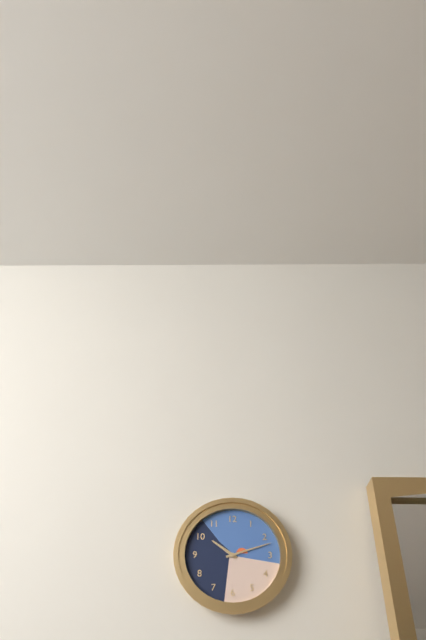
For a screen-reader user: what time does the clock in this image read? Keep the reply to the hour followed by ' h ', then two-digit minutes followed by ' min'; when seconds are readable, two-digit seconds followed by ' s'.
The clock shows 10 h 12 min
